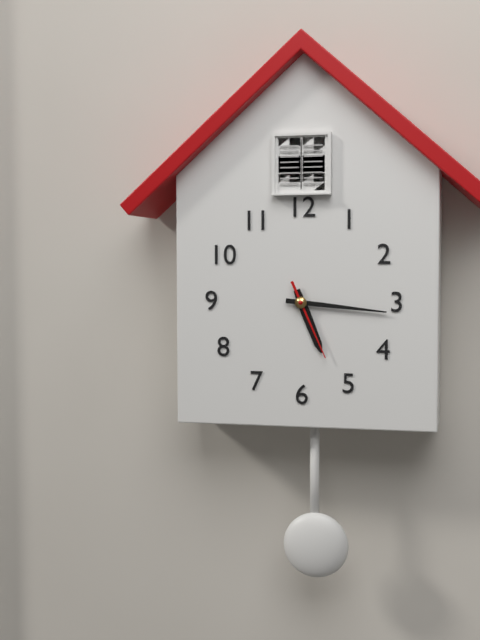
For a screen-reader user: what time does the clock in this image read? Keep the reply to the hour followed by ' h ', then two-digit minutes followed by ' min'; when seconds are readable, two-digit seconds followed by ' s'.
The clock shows 5 h 16 min 26 s
